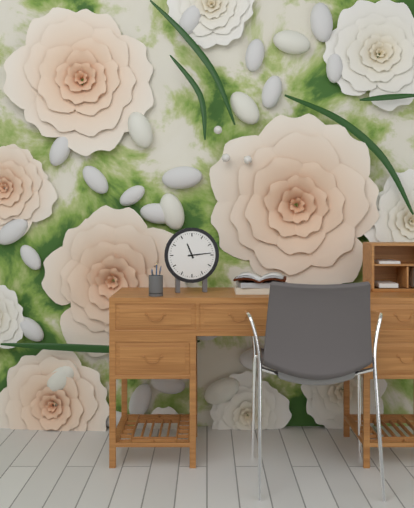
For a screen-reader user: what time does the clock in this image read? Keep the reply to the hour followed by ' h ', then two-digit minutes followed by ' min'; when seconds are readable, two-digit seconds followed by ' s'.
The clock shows 11 h 14 min
